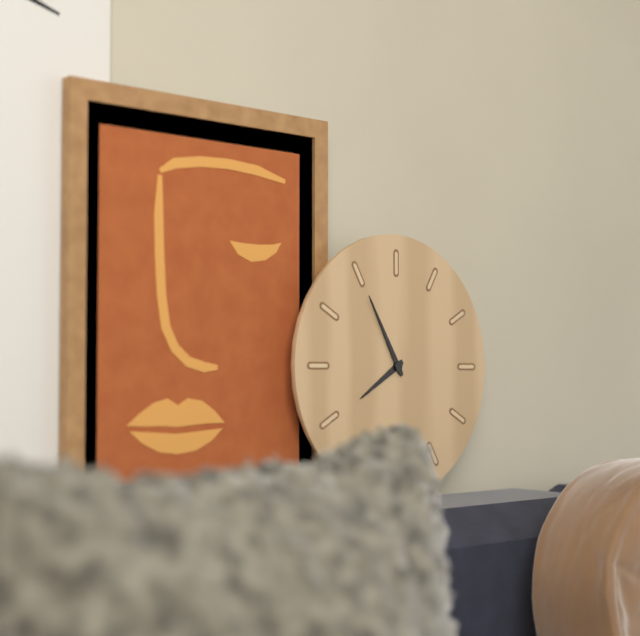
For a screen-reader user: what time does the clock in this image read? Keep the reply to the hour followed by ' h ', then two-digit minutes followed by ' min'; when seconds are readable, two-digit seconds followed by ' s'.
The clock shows 7 h 55 min
